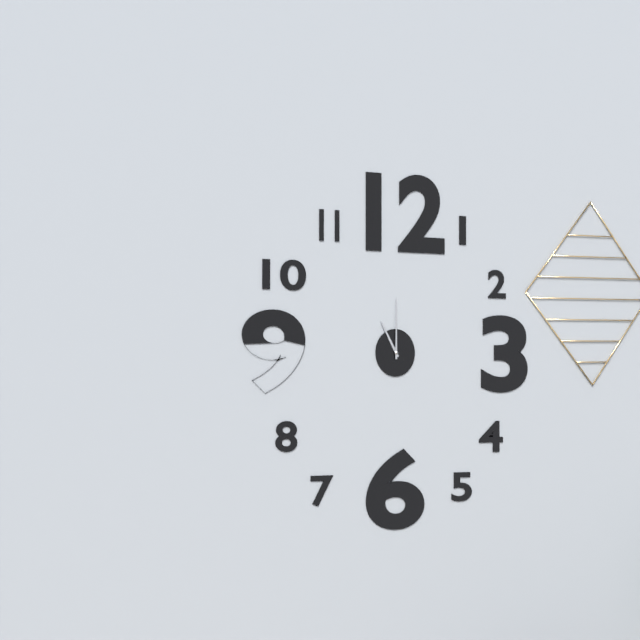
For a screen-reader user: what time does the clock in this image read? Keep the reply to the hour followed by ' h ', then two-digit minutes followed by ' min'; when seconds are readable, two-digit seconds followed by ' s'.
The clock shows 11 h 00 min
